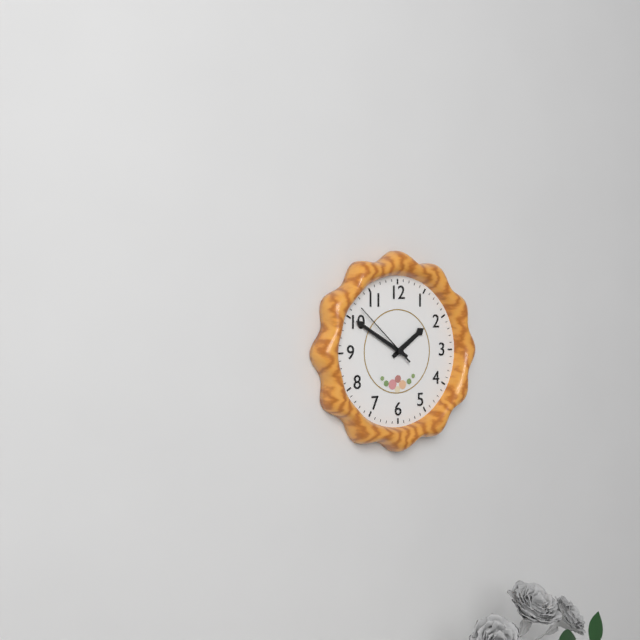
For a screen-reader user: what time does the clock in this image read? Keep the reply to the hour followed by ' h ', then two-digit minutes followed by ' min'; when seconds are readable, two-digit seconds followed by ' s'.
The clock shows 1 h 50 min 52 s
